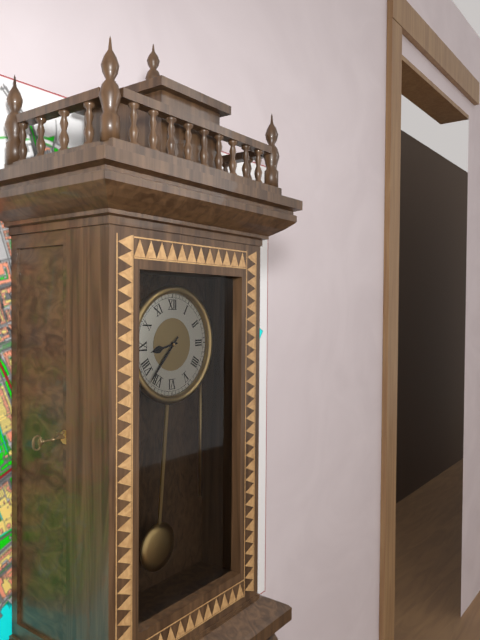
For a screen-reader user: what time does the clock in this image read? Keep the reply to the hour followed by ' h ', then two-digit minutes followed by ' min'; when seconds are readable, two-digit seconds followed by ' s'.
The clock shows 8 h 37 min
